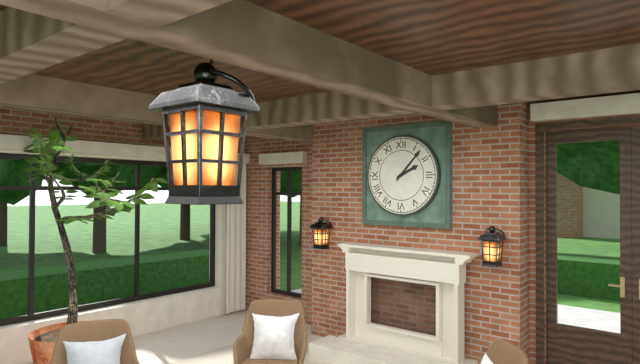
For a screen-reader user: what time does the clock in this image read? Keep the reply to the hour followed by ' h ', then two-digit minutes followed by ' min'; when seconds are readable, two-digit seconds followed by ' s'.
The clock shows 2 h 07 min
